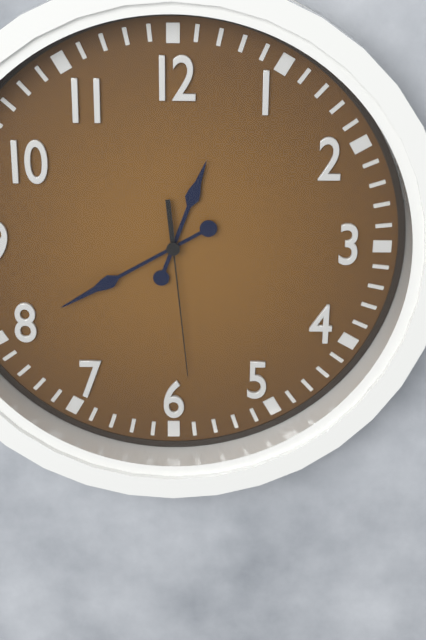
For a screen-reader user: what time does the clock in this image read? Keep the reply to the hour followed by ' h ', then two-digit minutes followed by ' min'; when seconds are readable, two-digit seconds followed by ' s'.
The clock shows 12 h 40 min 29 s
